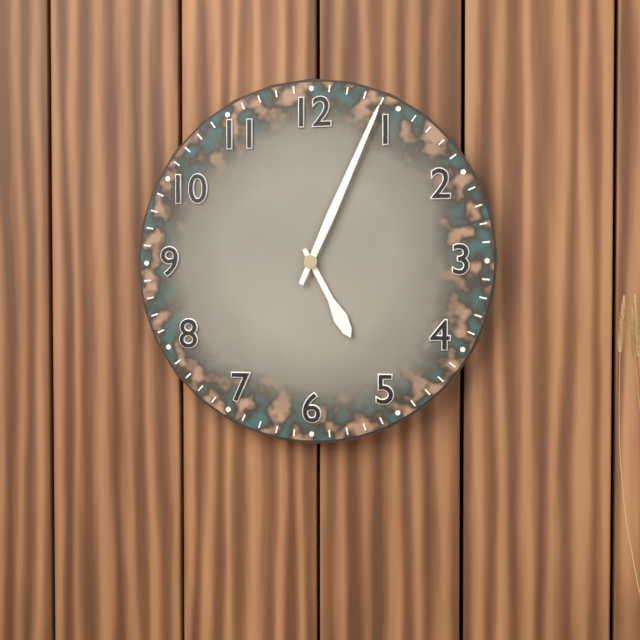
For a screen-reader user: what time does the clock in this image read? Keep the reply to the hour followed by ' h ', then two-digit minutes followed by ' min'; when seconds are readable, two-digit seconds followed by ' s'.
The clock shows 5 h 04 min
